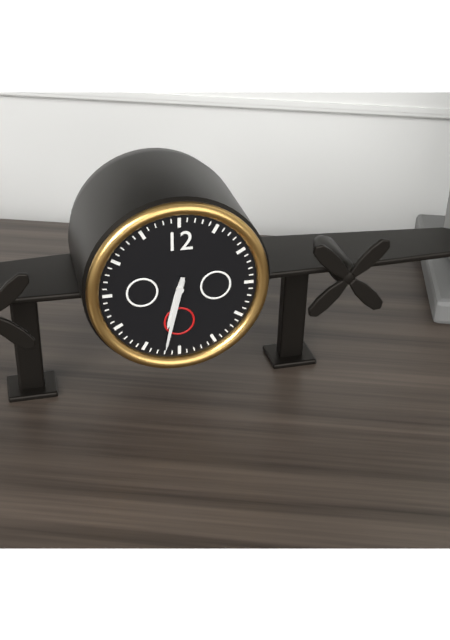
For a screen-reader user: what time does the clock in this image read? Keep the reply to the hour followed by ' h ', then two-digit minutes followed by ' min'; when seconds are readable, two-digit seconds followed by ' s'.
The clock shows 6 h 32 min
